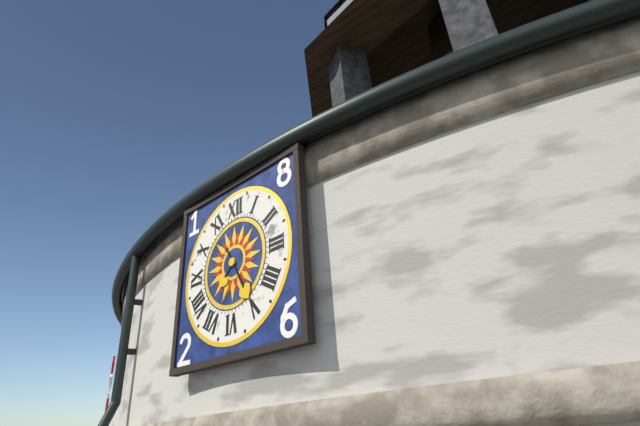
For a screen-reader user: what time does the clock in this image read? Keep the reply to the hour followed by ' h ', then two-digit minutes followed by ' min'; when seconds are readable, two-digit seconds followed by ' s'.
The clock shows 7 h 25 min
